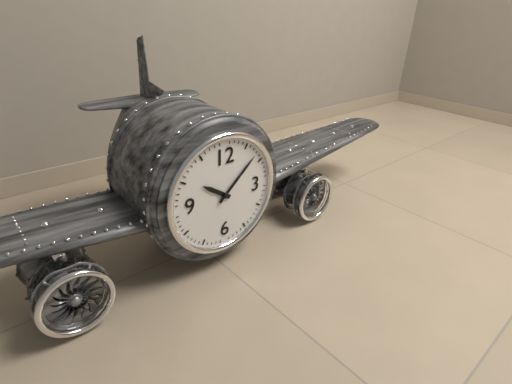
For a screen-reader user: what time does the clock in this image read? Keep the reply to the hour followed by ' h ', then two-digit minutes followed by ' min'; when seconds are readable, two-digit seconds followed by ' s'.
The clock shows 10 h 08 min
